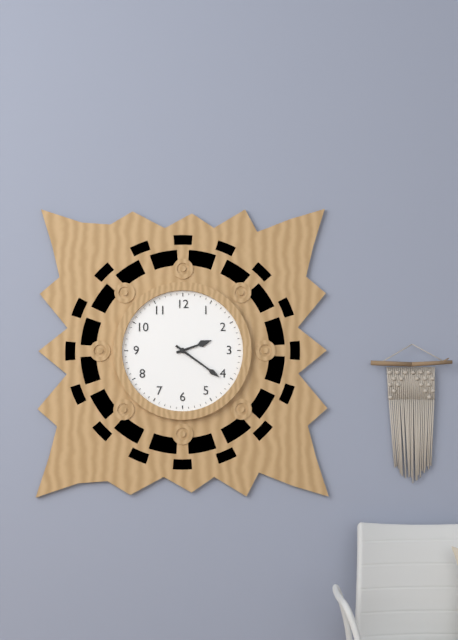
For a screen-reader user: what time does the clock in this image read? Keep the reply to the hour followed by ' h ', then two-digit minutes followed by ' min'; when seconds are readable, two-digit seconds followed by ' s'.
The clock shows 2 h 21 min
